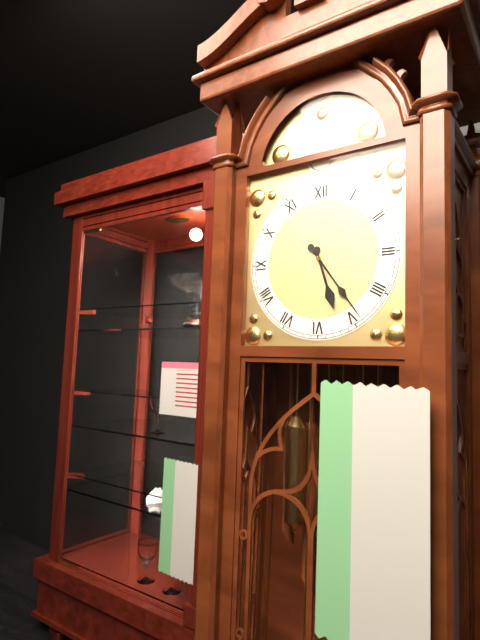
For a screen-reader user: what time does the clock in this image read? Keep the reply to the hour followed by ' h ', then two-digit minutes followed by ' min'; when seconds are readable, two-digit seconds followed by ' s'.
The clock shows 5 h 24 min
